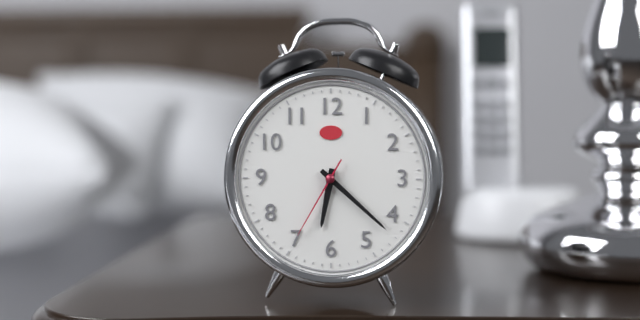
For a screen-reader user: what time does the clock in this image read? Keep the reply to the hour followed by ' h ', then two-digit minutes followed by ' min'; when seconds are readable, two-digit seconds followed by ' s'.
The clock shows 6 h 22 min 35 s
